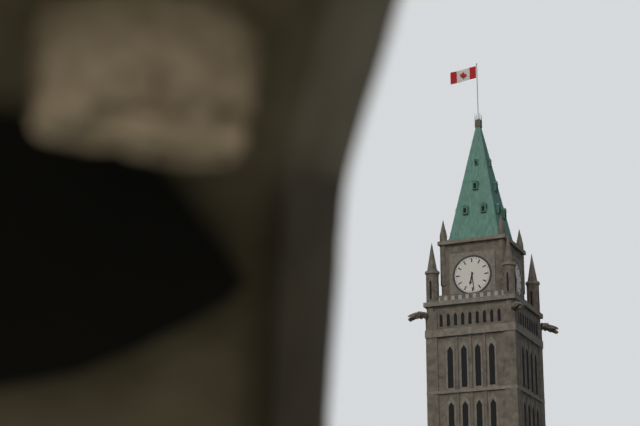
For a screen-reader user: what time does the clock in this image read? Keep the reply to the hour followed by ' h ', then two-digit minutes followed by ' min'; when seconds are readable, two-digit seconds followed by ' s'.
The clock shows 6 h 29 min
